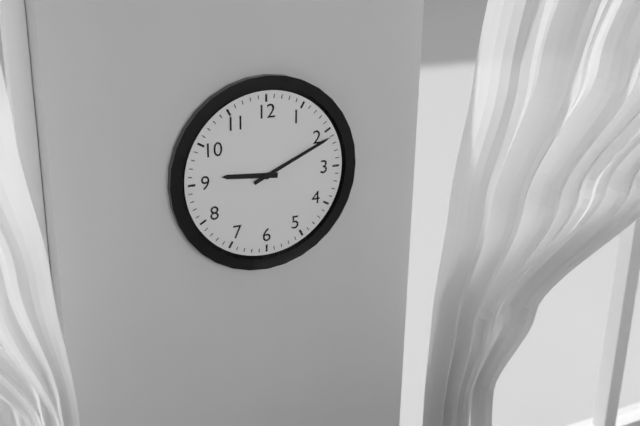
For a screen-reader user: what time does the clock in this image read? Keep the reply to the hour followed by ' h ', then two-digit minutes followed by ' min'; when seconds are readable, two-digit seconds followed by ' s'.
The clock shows 9 h 11 min
